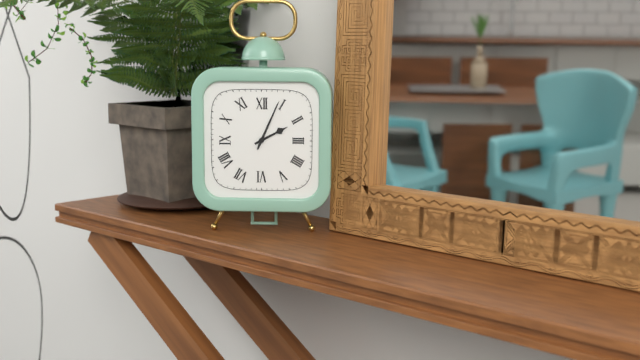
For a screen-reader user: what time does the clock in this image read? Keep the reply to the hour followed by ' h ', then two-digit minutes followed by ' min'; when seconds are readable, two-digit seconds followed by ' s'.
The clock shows 2 h 04 min
